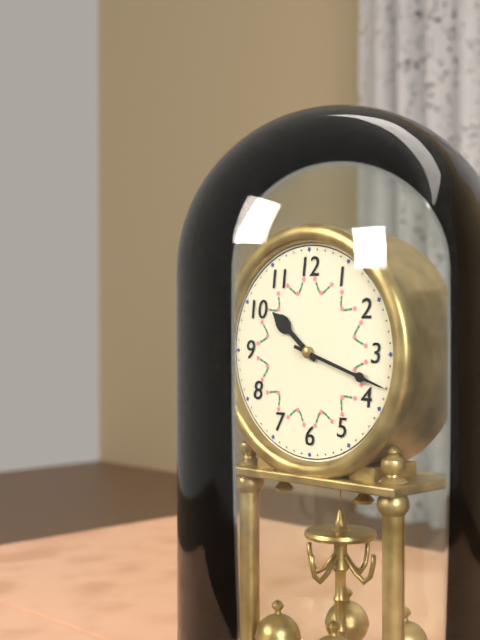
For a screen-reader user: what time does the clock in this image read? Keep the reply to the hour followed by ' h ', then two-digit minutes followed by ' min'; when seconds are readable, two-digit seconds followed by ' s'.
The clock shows 10 h 18 min
